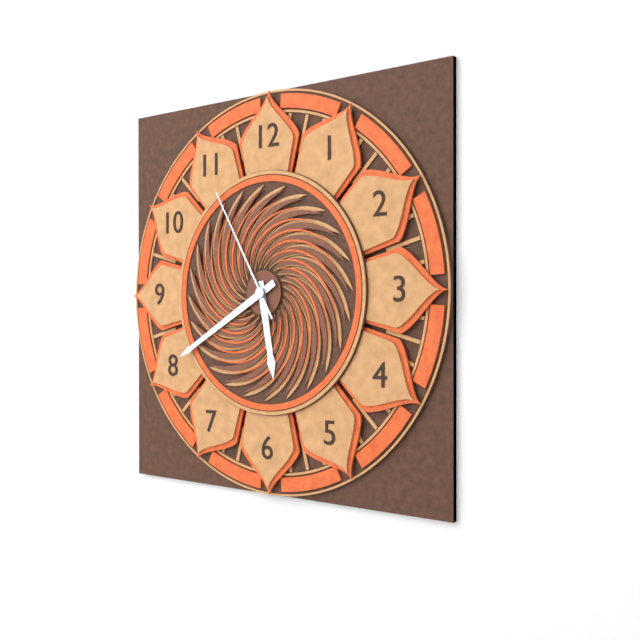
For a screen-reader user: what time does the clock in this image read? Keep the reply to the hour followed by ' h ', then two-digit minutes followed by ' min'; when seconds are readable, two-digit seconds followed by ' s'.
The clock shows 5 h 40 min 55 s
